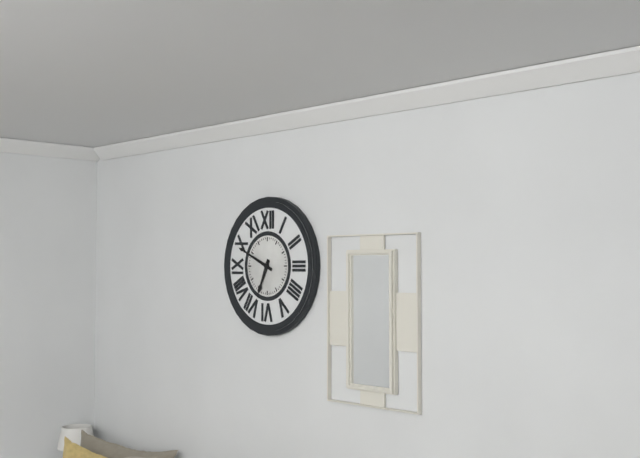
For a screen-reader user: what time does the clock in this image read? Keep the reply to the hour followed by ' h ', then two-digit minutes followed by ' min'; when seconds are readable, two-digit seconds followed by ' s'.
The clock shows 6 h 49 min
